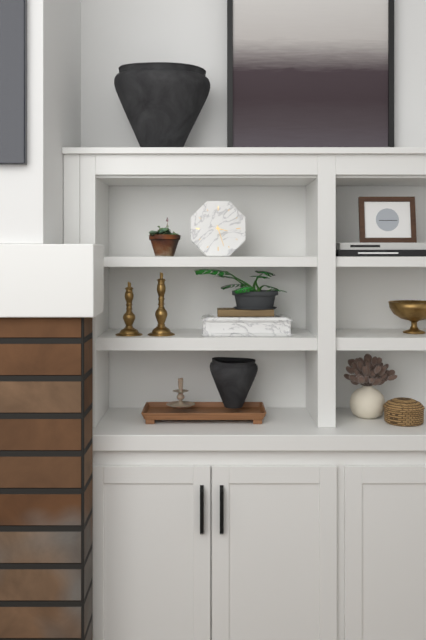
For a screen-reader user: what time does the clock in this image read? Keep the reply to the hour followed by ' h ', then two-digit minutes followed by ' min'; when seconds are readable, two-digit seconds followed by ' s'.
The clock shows 3 h 27 min
